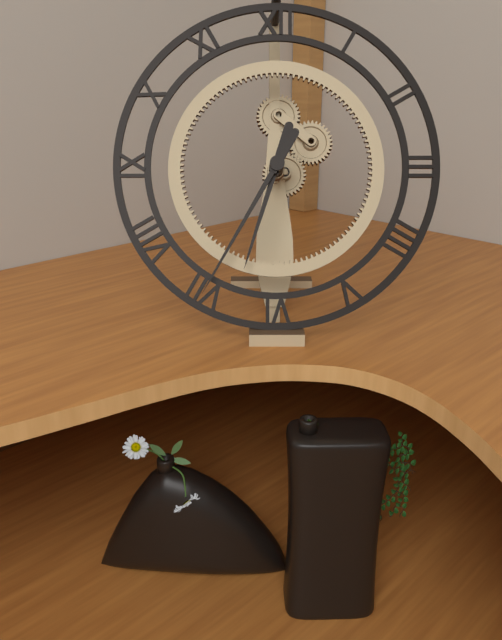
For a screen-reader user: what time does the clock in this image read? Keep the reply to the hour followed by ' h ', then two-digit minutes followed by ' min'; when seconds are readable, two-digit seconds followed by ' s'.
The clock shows 6 h 35 min
